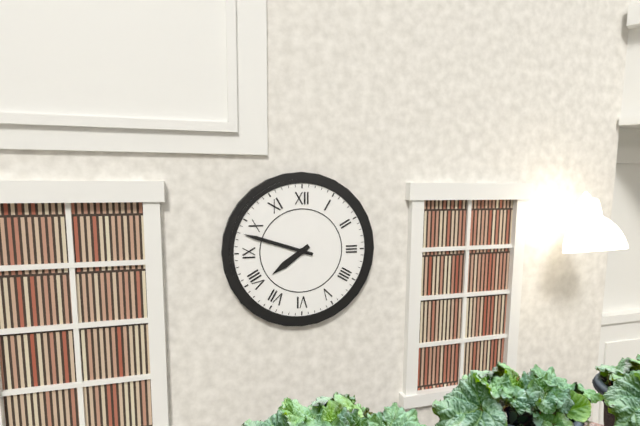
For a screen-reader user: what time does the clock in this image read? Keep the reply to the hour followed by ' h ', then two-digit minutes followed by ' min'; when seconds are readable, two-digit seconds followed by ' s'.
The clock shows 7 h 48 min
